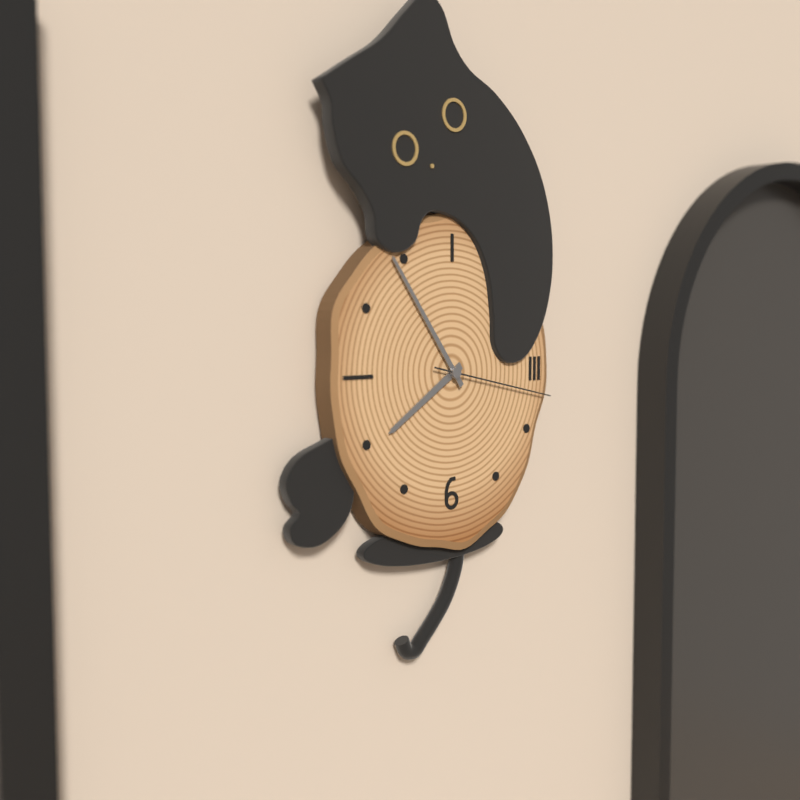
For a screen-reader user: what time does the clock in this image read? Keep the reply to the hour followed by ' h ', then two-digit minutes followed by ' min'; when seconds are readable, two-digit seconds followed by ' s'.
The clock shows 7 h 54 min 17 s
